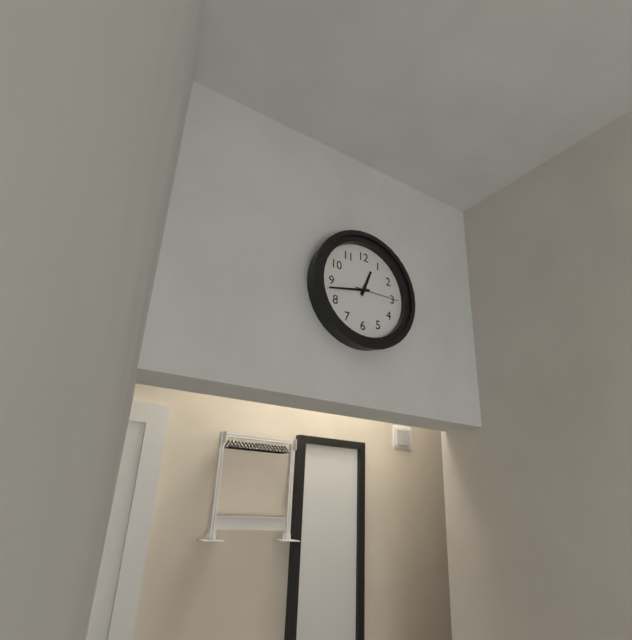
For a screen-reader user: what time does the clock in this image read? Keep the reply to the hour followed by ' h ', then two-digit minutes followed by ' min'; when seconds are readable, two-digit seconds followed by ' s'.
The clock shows 12 h 43 min
